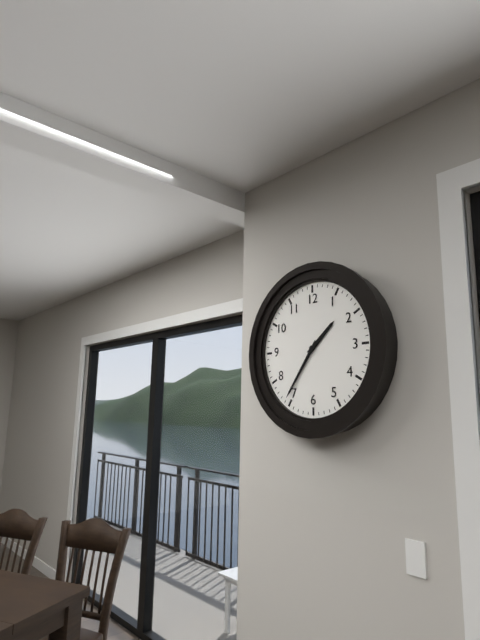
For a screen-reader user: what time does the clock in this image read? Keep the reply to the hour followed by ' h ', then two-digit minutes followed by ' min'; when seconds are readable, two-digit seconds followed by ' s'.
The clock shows 1 h 36 min
